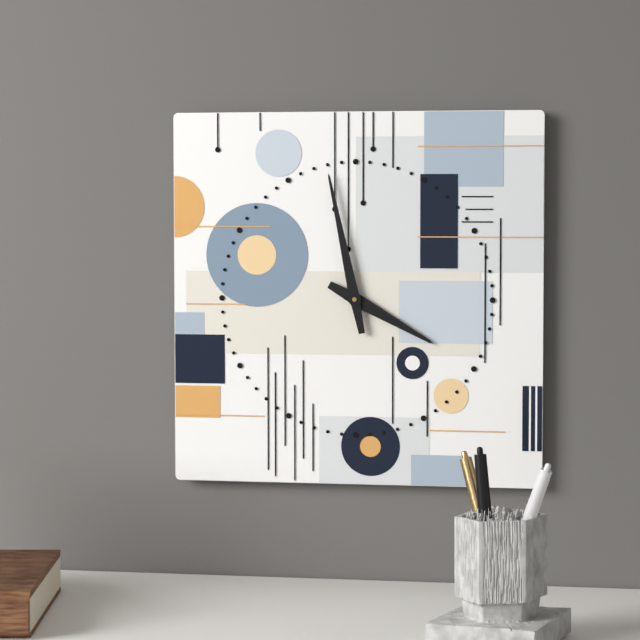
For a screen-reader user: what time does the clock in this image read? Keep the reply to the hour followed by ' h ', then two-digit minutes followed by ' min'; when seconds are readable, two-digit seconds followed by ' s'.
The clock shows 3 h 58 min
